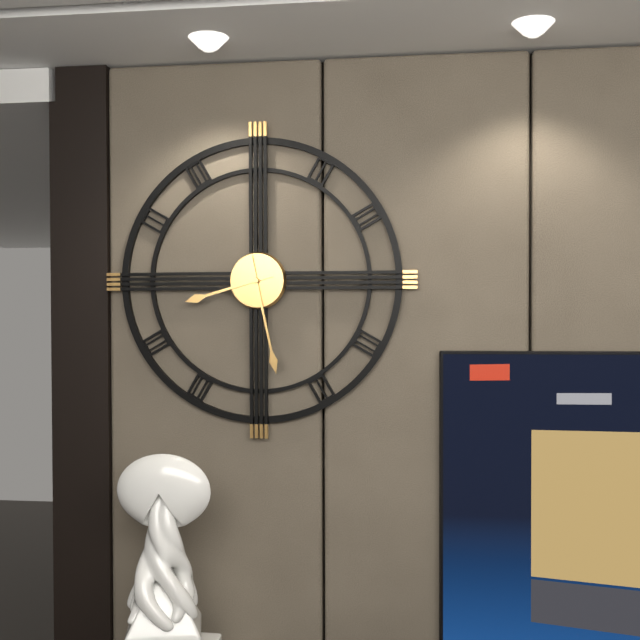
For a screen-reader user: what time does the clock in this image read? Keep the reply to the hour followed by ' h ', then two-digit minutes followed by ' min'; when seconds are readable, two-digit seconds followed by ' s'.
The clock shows 8 h 28 min
